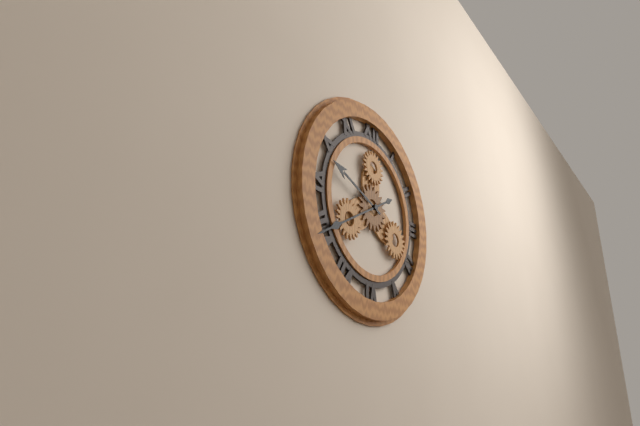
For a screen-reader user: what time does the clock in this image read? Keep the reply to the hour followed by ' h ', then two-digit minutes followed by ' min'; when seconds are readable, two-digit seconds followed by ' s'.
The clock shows 9 h 40 min
